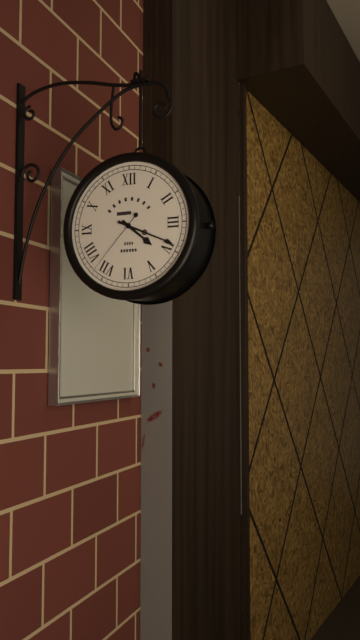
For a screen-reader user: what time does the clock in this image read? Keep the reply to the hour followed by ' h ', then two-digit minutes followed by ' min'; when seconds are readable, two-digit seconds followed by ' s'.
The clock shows 4 h 19 min 37 s
